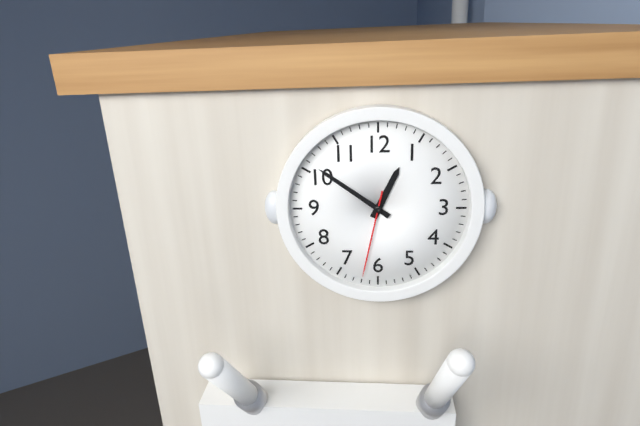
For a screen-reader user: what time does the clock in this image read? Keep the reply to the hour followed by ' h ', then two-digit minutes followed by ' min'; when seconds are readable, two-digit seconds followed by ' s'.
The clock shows 12 h 51 min 32 s
